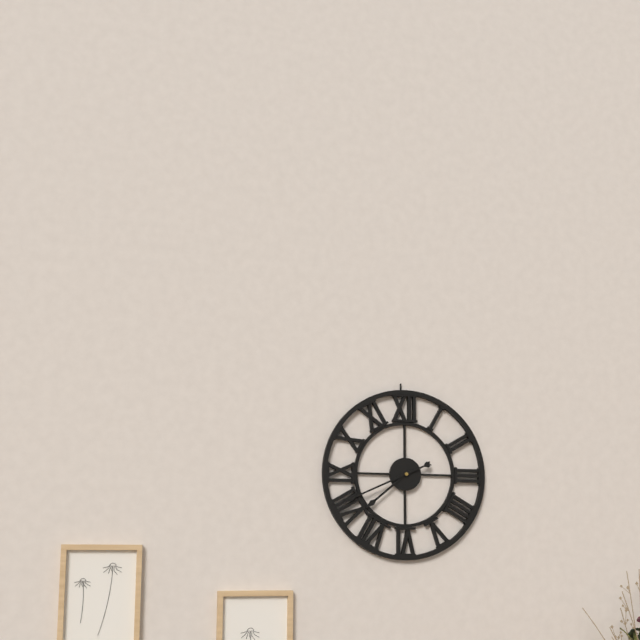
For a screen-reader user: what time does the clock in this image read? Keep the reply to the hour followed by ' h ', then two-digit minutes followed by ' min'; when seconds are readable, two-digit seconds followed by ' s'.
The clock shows 7 h 41 min
